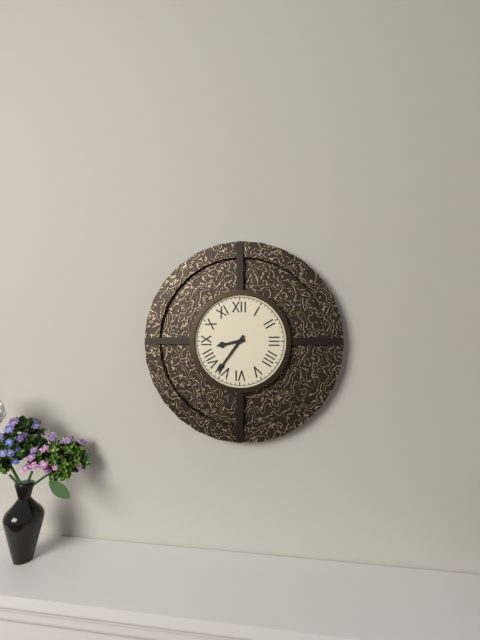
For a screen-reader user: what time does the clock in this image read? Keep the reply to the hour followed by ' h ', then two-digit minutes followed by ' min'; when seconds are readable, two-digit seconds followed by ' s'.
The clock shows 8 h 36 min
